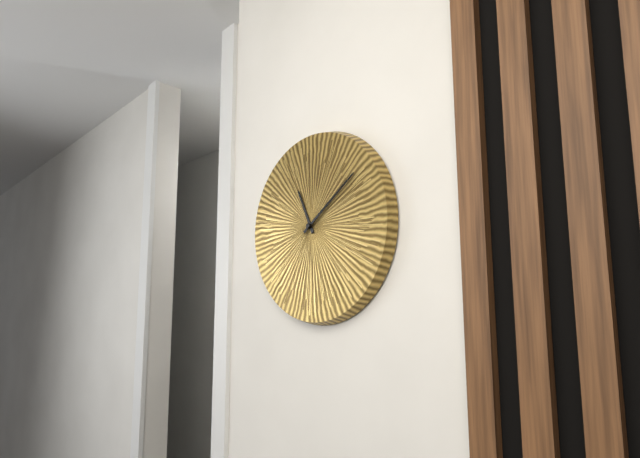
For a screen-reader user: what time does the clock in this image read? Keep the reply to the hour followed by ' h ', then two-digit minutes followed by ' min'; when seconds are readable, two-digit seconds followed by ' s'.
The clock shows 11 h 09 min
